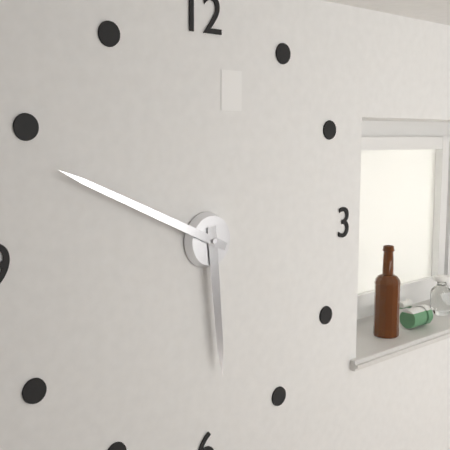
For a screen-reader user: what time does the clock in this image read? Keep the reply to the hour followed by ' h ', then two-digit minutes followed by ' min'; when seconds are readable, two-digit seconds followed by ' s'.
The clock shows 5 h 49 min
